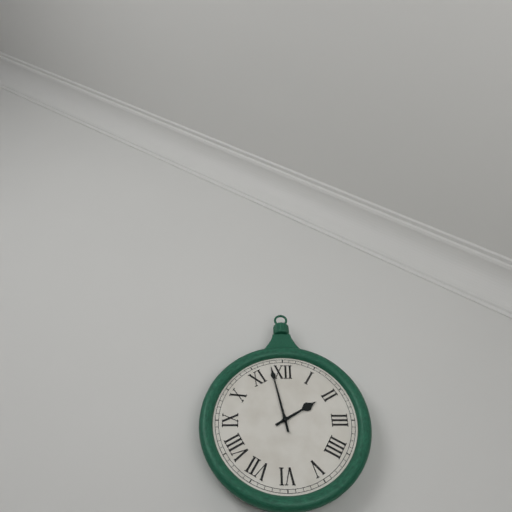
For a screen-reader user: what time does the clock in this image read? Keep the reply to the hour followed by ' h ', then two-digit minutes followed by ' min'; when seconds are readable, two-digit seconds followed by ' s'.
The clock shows 1 h 58 min
